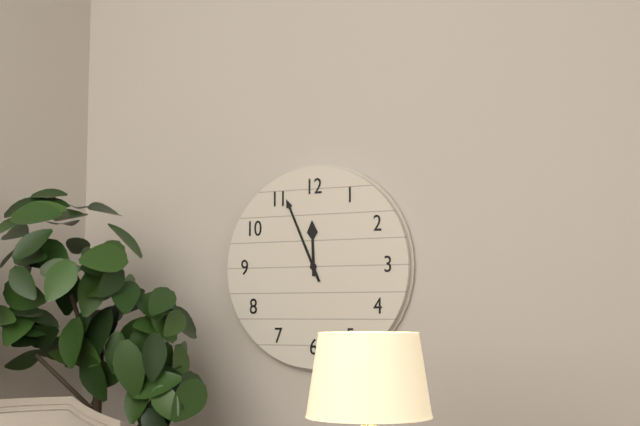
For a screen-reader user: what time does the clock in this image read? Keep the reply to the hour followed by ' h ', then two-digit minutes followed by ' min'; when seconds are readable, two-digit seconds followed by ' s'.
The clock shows 11 h 56 min
